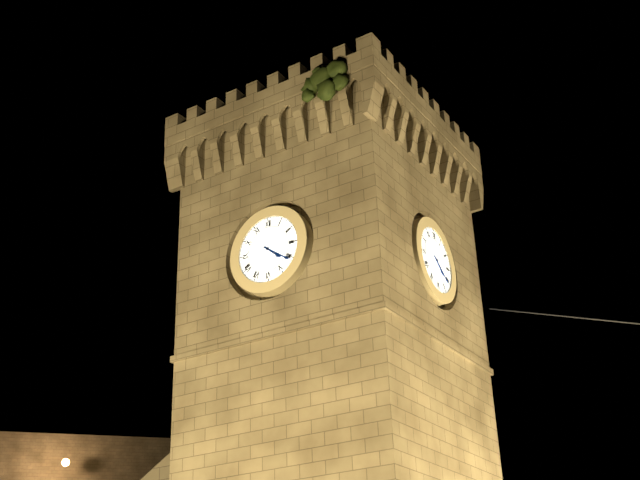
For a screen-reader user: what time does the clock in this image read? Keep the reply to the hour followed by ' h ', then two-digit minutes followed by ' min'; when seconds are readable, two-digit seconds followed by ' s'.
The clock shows 4 h 21 min
